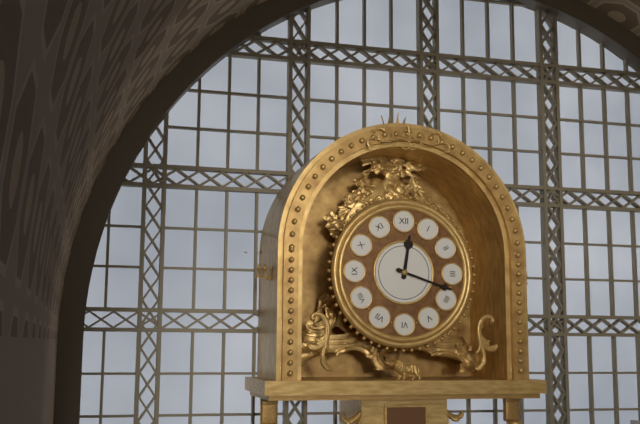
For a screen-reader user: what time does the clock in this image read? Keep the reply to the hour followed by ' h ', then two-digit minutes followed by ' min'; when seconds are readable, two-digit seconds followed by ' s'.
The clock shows 12 h 18 min
